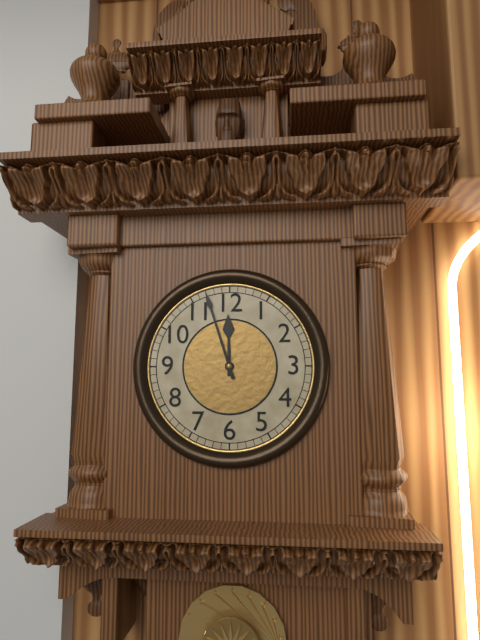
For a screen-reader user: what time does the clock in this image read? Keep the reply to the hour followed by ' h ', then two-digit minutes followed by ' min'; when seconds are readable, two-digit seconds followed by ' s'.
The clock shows 11 h 57 min
